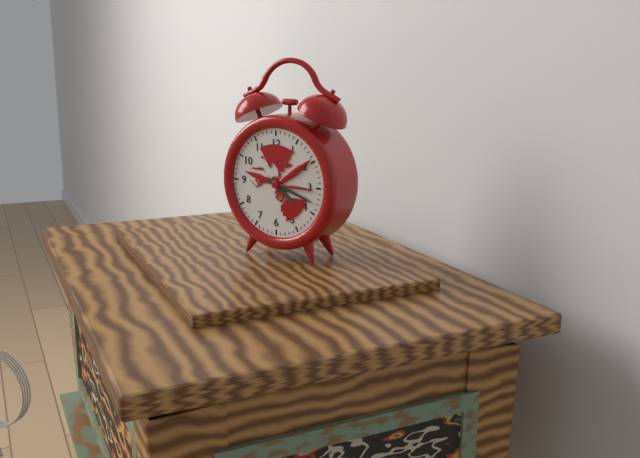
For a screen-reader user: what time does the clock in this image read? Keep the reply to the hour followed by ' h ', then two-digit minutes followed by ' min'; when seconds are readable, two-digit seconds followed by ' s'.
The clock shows 4 h 18 min
